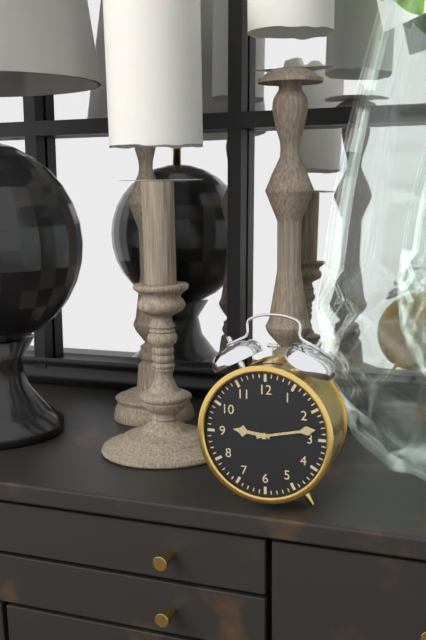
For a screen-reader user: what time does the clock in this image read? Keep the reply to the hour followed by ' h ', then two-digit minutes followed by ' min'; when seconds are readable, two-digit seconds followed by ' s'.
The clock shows 9 h 13 min
